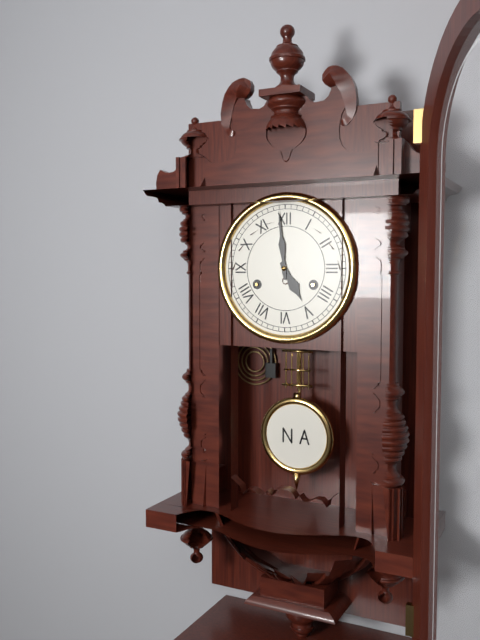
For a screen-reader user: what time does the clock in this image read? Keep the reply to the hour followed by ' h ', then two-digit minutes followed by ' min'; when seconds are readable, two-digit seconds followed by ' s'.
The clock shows 4 h 59 min
